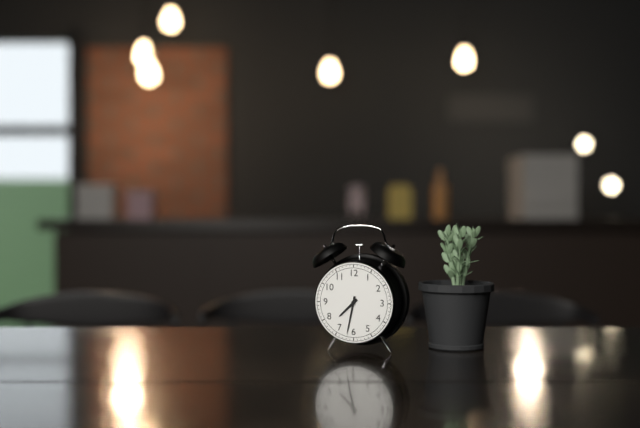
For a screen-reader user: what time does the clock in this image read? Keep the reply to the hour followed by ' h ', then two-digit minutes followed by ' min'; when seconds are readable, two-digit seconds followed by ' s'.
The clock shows 7 h 32 min
